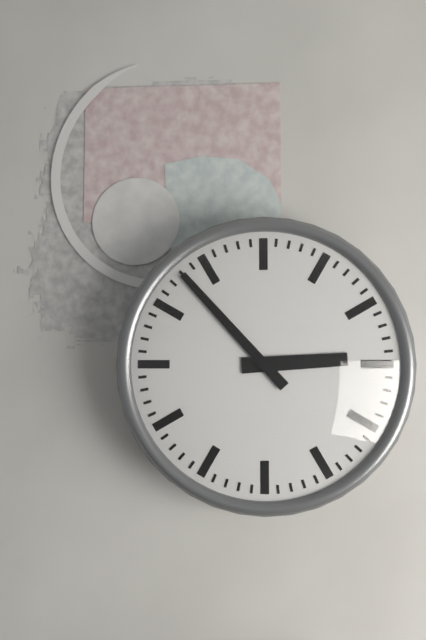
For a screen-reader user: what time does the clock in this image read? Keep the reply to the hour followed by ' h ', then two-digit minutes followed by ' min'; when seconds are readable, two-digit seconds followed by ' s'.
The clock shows 2 h 53 min
